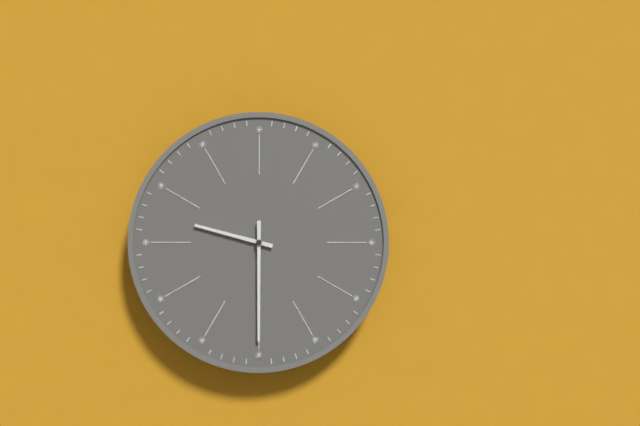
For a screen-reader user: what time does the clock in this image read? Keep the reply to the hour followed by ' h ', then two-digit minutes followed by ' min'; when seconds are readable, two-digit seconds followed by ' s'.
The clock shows 9 h 30 min
